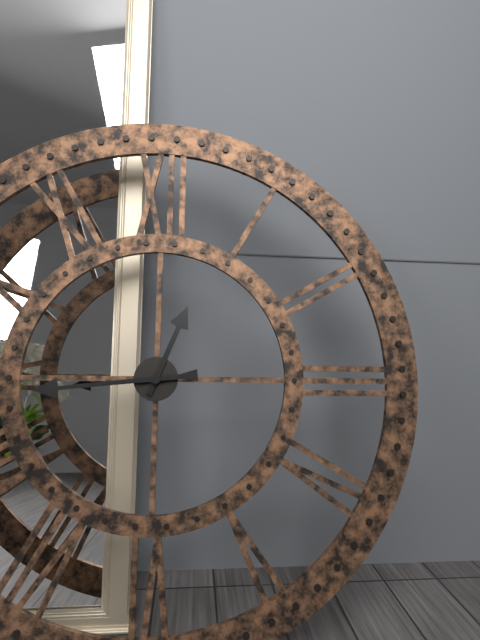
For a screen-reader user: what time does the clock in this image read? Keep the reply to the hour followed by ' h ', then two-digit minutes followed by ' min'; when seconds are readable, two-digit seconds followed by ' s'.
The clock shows 12 h 44 min
